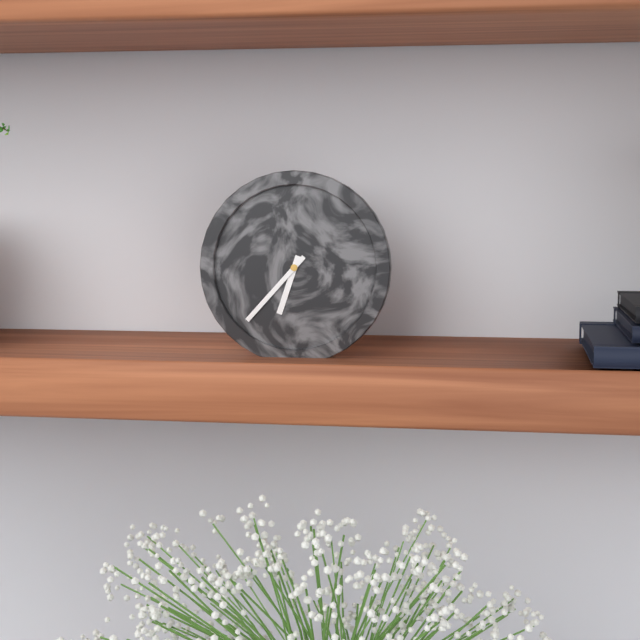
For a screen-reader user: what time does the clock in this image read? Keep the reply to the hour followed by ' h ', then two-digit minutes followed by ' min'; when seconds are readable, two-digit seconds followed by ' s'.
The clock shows 6 h 37 min
